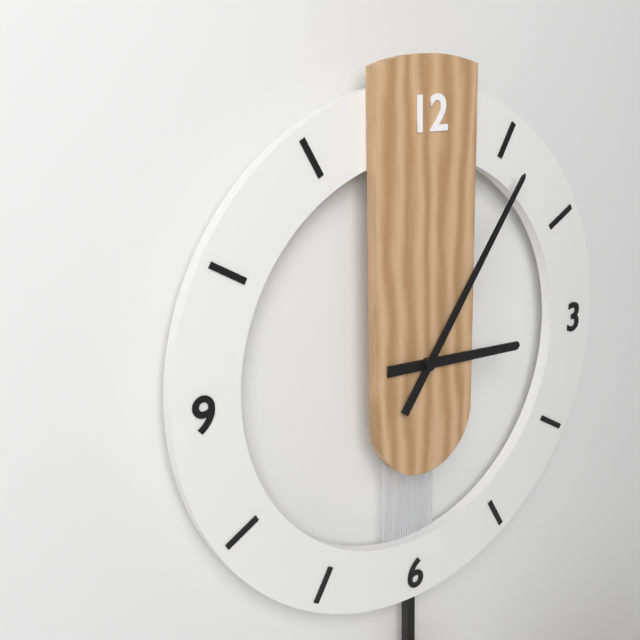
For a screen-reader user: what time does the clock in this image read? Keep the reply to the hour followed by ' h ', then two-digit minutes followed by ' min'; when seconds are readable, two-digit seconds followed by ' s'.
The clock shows 3 h 06 min
